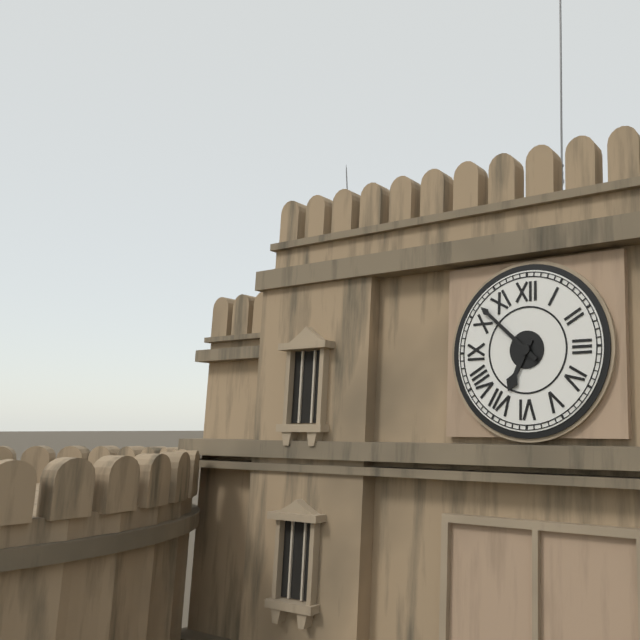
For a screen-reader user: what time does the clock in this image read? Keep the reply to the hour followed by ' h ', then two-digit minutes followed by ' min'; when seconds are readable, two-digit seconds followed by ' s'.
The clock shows 6 h 52 min
